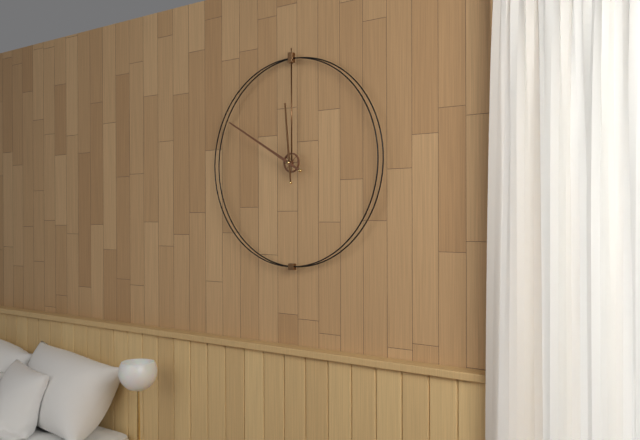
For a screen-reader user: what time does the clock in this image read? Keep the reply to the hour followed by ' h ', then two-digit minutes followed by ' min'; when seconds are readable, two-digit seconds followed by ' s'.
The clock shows 11 h 50 min
